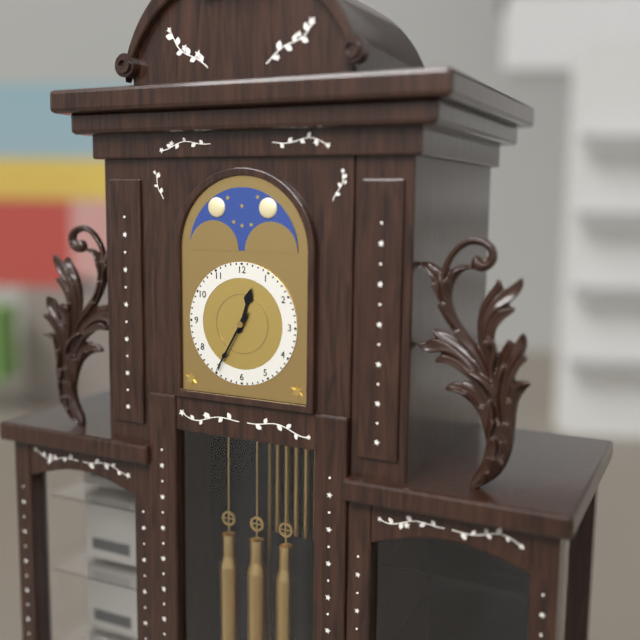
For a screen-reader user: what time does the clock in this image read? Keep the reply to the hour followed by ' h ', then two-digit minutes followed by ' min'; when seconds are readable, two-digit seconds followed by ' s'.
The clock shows 12 h 35 min
